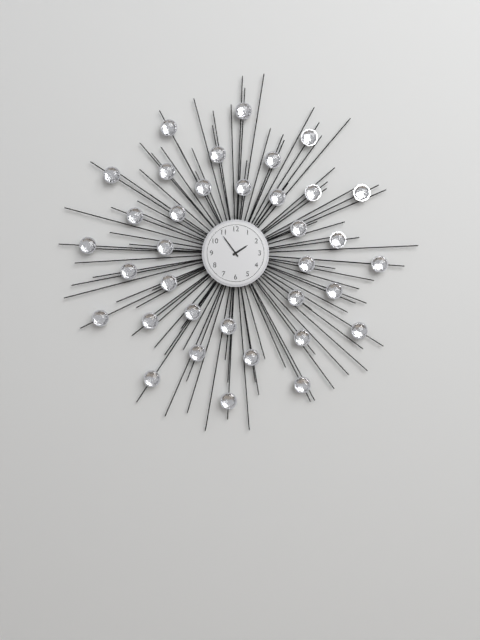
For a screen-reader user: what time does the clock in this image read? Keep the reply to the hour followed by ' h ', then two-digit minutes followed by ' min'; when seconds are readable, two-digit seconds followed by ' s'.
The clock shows 1 h 54 min
